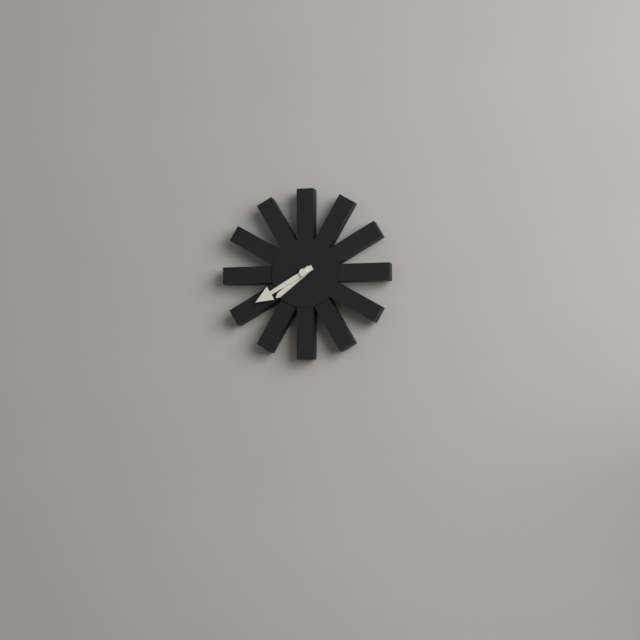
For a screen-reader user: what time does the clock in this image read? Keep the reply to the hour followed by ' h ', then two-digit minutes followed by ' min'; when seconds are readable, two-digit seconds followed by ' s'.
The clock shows 7 h 40 min
